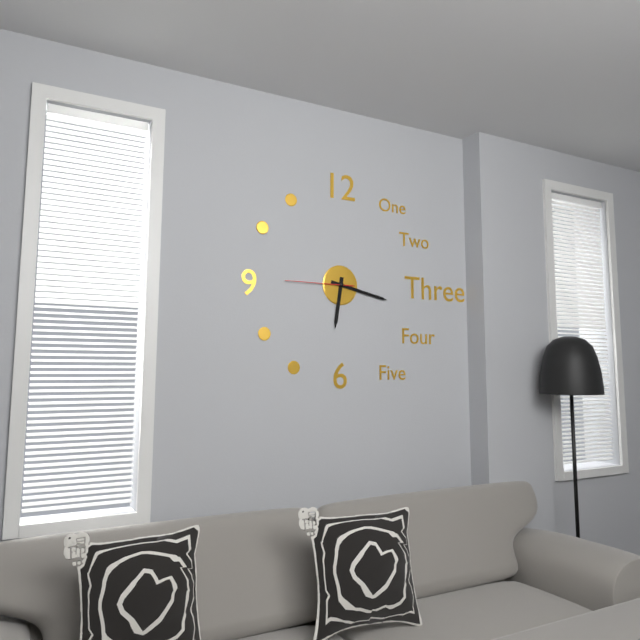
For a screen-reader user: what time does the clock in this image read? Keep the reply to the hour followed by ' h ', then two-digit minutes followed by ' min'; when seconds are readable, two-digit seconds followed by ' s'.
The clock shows 6 h 17 min 45 s
